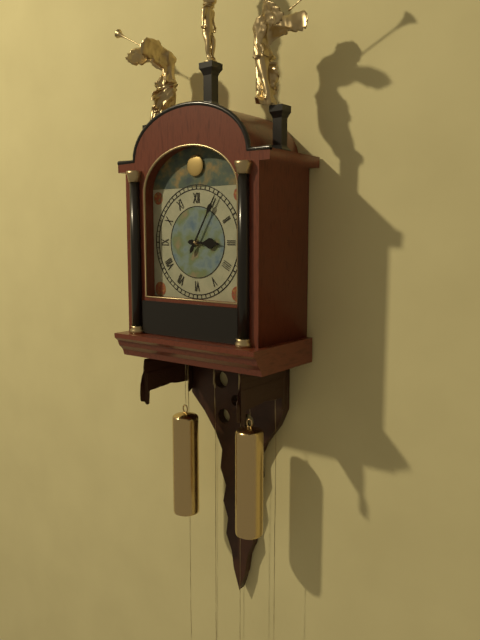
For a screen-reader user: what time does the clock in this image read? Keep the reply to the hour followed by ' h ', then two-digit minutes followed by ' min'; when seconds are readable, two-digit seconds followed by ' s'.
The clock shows 3 h 05 min
